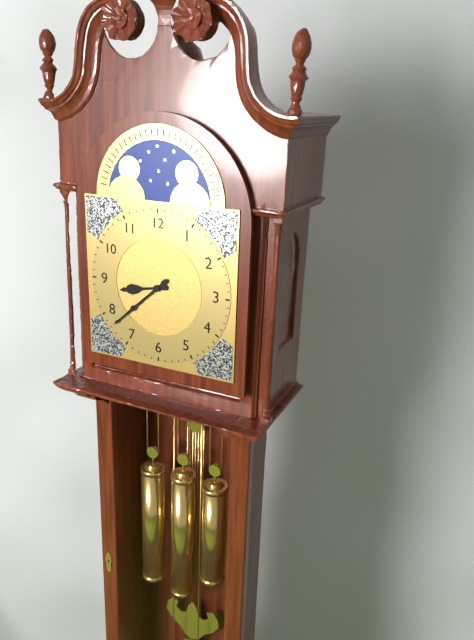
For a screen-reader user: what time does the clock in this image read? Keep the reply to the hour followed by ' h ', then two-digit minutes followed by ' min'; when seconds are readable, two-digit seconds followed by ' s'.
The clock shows 8 h 38 min
